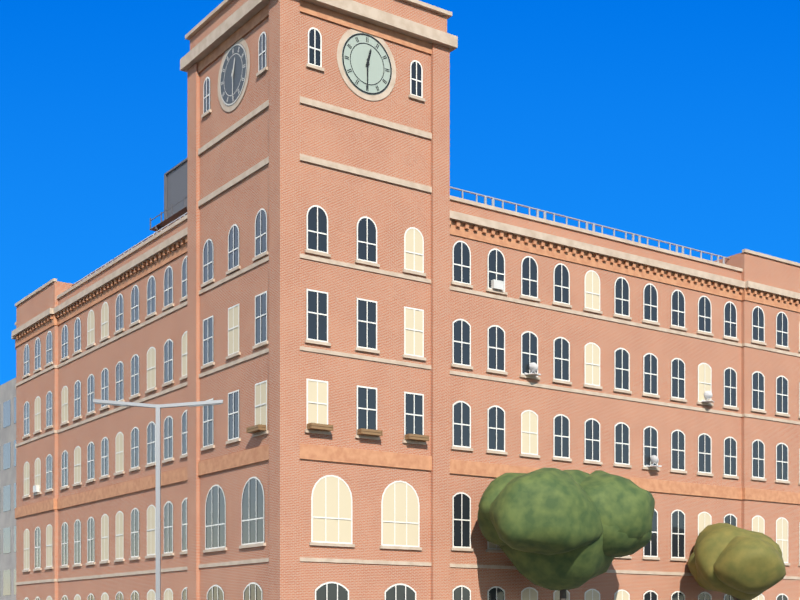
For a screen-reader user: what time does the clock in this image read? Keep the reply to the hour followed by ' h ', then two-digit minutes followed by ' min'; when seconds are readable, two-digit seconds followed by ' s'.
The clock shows 12 h 30 min
